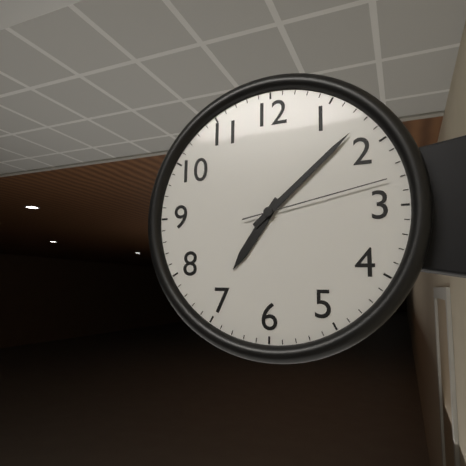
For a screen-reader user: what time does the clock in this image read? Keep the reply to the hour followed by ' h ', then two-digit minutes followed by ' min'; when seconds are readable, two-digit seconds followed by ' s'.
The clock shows 7 h 08 min 13 s
